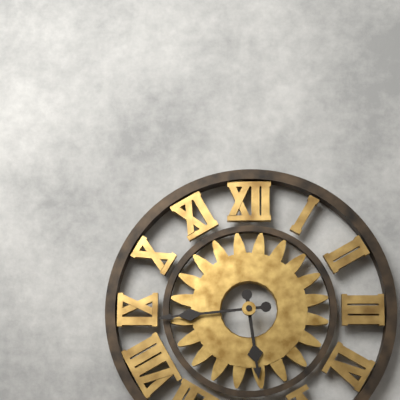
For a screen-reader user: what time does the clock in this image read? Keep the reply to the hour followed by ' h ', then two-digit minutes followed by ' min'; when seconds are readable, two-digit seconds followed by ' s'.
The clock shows 5 h 44 min
